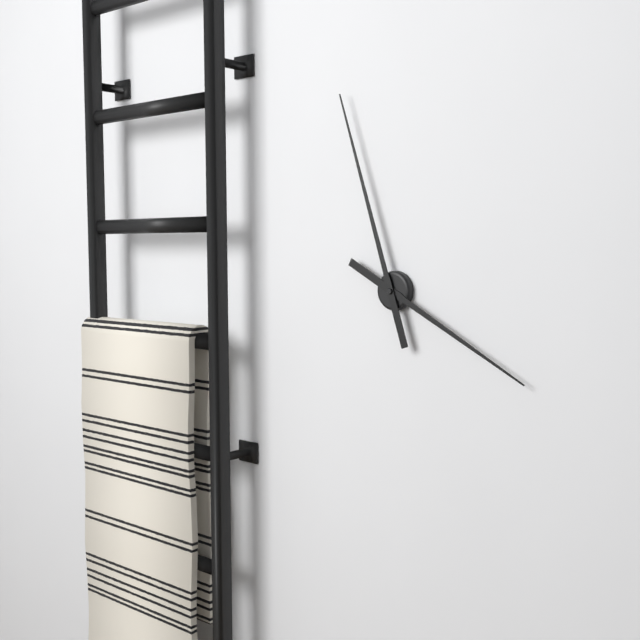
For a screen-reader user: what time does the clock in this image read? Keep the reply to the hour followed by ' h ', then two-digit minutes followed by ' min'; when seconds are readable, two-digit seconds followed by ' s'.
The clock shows 3 h 57 min
